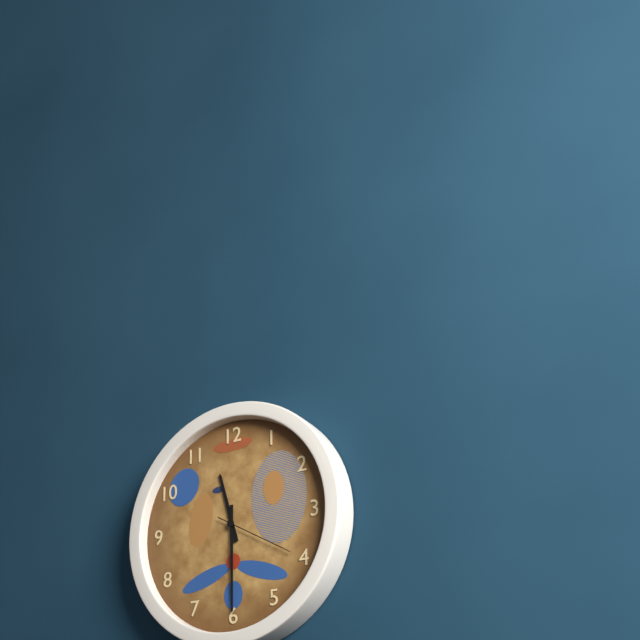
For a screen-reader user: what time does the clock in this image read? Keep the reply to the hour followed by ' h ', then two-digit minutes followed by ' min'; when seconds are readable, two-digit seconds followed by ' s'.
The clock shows 11 h 30 min 20 s
